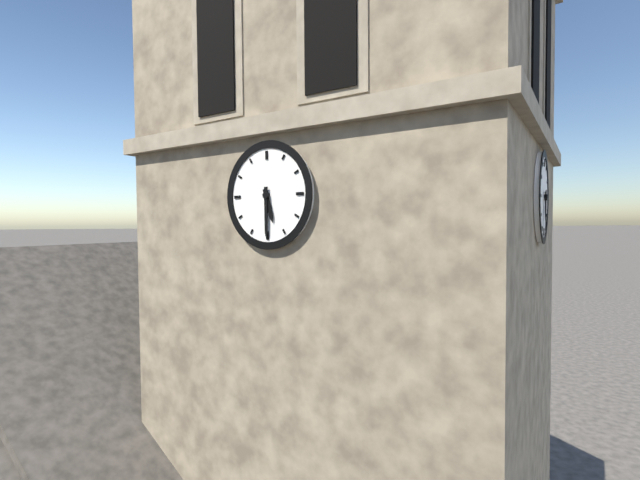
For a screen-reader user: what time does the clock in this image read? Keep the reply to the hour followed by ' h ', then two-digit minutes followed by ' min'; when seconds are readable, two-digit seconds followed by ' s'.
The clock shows 5 h 30 min
